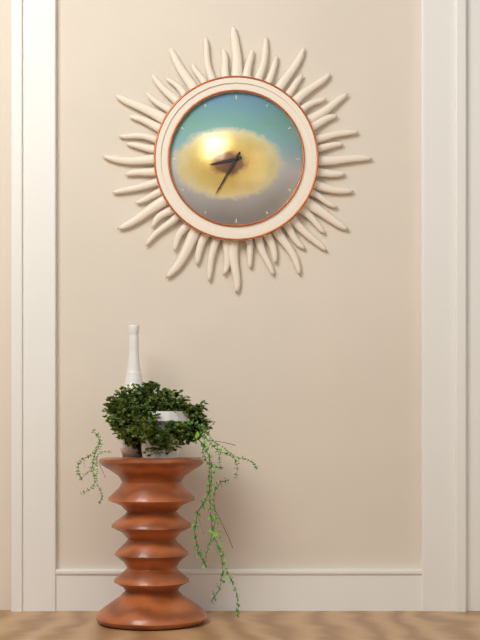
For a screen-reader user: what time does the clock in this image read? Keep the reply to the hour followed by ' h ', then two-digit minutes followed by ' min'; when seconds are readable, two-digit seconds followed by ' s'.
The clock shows 8 h 35 min
